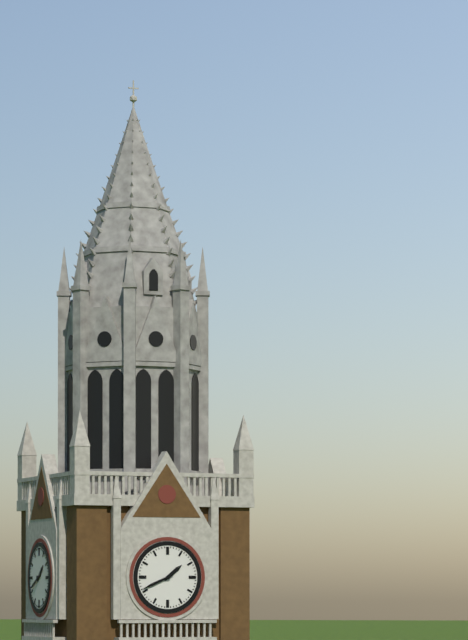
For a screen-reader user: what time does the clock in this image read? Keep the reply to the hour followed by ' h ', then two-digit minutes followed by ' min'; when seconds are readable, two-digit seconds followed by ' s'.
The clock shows 1 h 41 min
